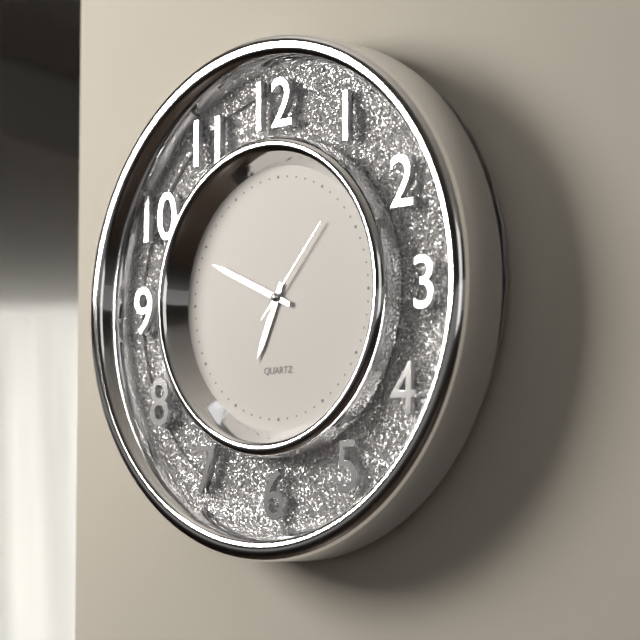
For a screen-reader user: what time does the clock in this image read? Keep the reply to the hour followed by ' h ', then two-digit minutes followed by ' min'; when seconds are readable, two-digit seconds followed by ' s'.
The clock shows 6 h 49 min 07 s
